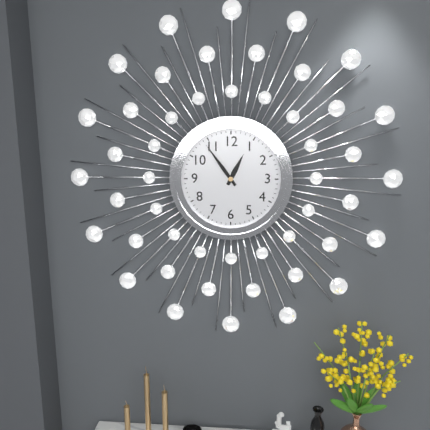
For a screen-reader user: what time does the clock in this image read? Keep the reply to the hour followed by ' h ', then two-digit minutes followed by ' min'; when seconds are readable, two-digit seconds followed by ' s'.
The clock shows 12 h 54 min
